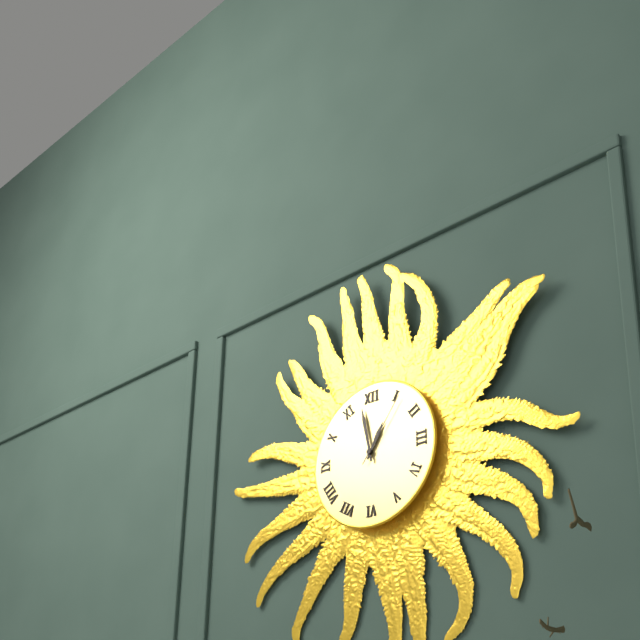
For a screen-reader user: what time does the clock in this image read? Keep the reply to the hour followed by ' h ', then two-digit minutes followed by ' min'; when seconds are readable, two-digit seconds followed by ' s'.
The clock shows 12 h 58 min 06 s
